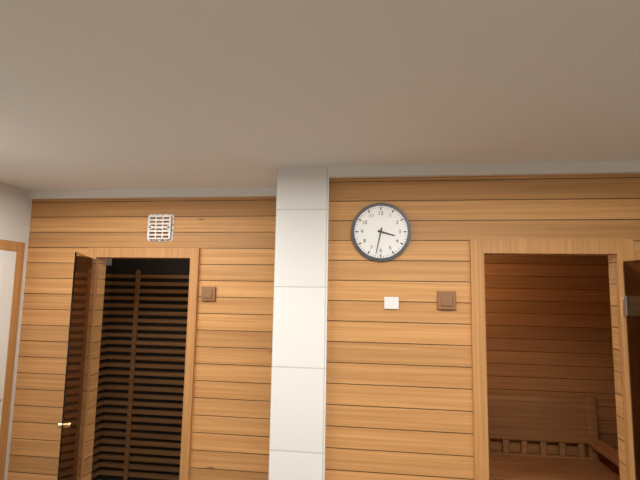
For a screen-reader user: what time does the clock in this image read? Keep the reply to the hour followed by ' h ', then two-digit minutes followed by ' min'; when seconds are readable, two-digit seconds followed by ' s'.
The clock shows 3 h 32 min
